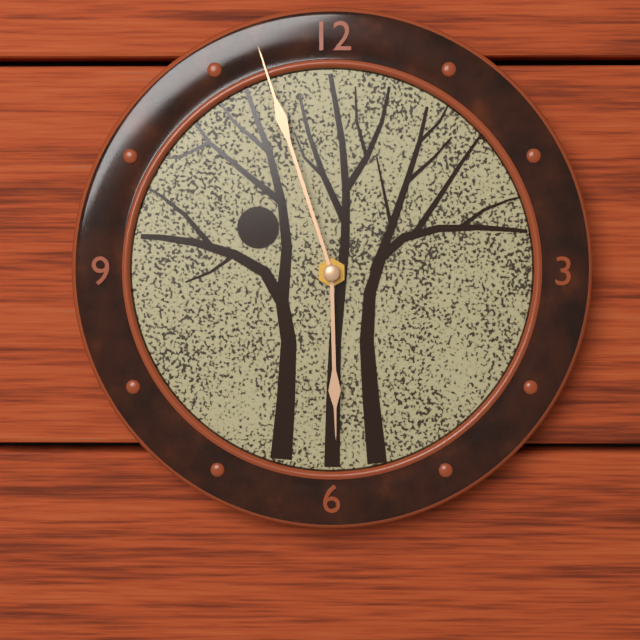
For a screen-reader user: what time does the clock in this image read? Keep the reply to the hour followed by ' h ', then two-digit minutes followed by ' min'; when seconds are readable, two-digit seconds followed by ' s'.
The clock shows 5 h 57 min
